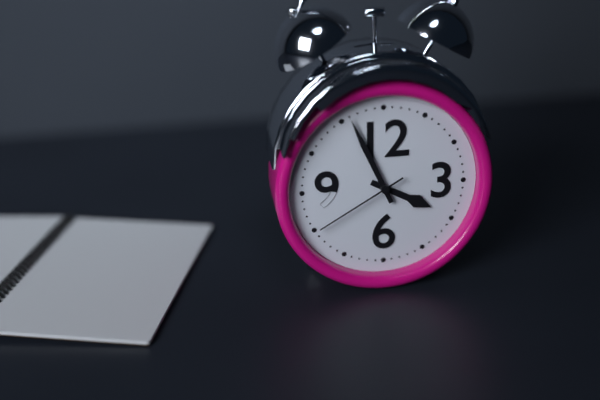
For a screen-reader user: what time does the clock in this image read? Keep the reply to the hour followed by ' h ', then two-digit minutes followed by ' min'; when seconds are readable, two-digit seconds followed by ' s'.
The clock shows 3 h 56 min 40 s
